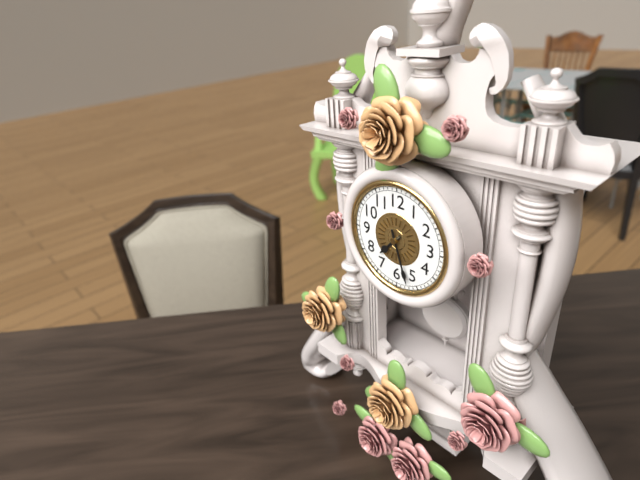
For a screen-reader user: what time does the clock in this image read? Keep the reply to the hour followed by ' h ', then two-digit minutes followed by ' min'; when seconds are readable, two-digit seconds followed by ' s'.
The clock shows 7 h 27 min
